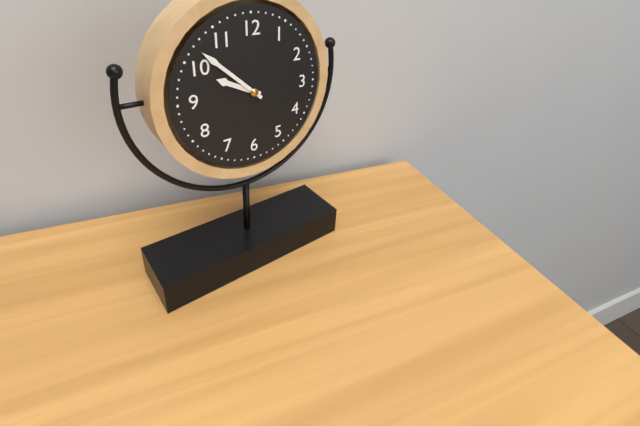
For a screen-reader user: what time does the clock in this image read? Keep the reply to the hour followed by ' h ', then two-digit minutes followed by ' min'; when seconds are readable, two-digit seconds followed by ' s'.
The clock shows 9 h 52 min
